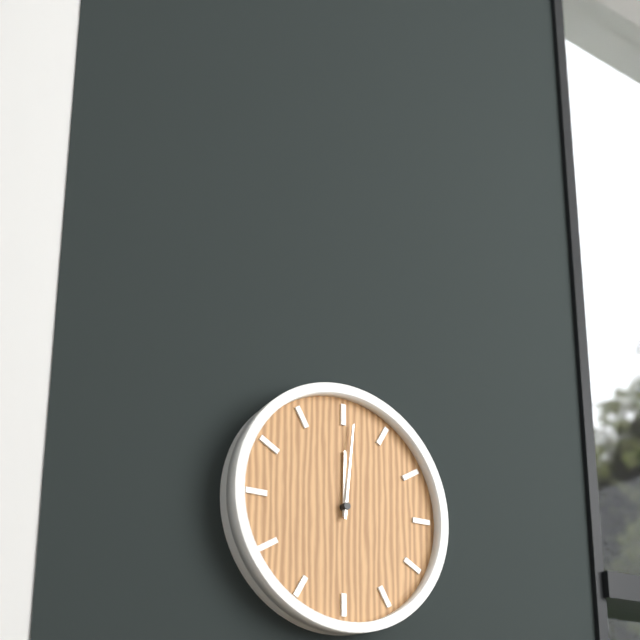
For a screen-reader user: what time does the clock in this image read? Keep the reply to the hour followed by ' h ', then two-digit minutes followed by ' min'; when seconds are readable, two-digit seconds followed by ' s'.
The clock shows 12 h 01 min
